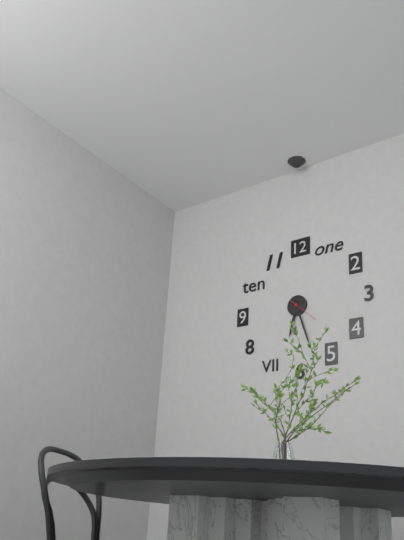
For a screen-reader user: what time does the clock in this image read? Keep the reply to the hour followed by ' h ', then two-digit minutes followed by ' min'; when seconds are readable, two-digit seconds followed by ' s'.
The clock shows 6 h 27 min
